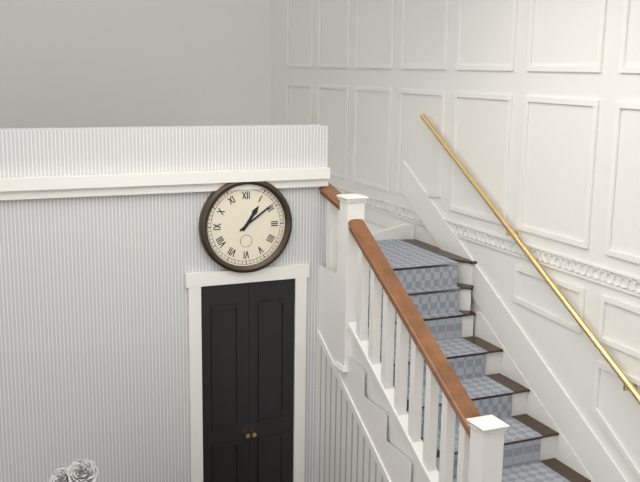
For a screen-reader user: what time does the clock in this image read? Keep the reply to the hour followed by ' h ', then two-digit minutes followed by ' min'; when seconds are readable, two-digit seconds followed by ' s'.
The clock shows 1 h 09 min
